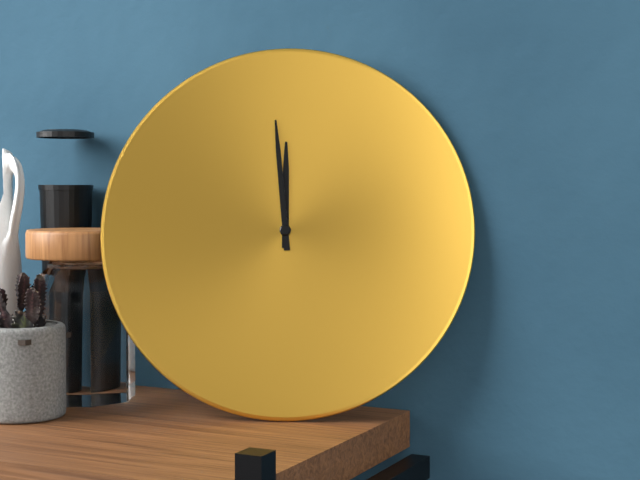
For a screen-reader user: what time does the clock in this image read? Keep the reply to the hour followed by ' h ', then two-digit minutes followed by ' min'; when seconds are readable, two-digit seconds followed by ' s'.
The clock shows 11 h 59 min
